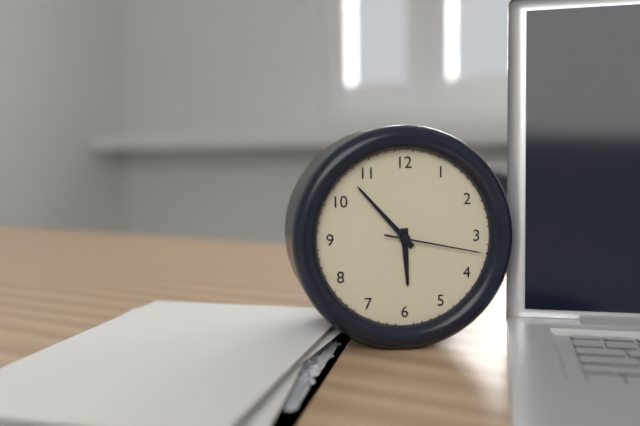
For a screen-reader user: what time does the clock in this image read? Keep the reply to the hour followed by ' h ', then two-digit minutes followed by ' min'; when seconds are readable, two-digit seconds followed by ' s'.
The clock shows 5 h 53 min 17 s
